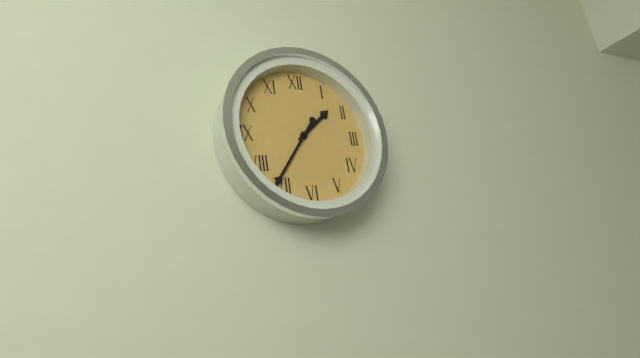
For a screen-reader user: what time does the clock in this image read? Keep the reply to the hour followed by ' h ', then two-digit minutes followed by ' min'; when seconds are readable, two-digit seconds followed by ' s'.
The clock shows 1 h 36 min
